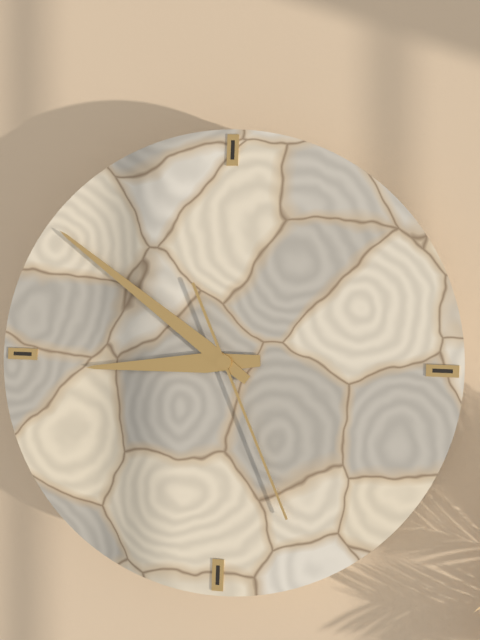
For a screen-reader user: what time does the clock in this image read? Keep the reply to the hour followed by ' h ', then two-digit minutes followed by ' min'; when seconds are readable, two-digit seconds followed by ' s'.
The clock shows 8 h 51 min 26 s
